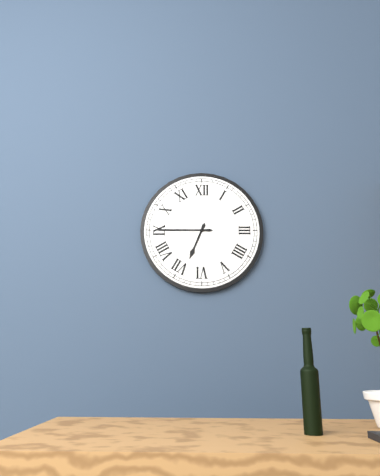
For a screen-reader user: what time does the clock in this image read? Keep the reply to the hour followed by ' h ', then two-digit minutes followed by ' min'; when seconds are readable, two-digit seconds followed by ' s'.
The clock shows 6 h 45 min
